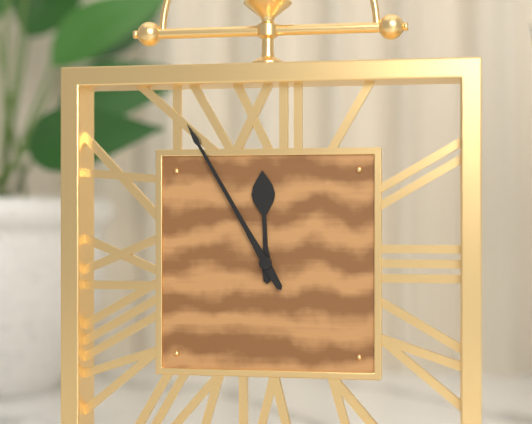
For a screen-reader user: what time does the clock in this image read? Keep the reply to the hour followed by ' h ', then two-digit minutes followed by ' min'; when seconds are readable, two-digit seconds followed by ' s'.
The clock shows 11 h 55 min
